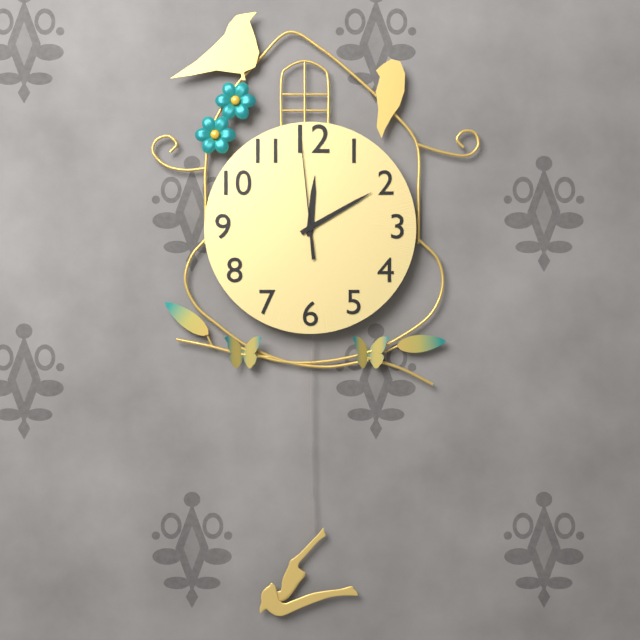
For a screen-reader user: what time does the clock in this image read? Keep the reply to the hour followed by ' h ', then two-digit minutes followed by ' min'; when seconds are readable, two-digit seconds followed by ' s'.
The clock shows 12 h 10 min 59 s
